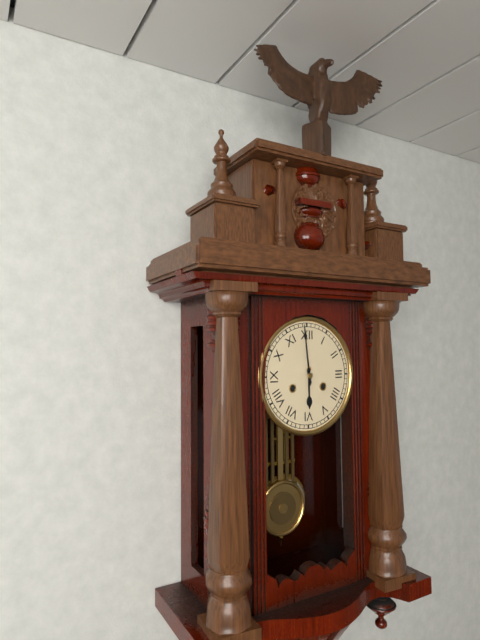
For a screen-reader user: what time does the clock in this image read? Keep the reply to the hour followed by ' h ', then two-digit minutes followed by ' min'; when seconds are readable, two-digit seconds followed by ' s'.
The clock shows 5 h 59 min
